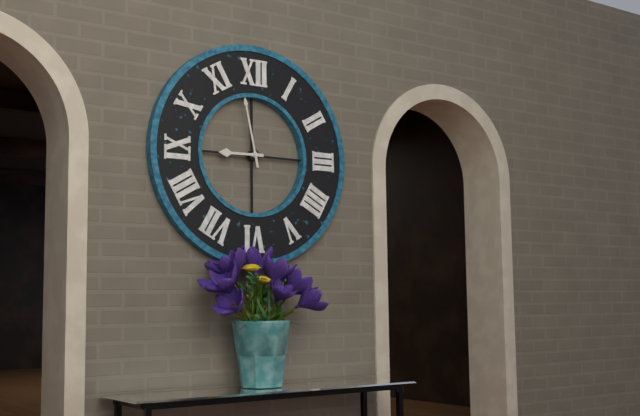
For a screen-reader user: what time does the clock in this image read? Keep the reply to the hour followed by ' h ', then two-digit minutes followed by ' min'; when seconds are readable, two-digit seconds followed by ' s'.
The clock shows 8 h 58 min
